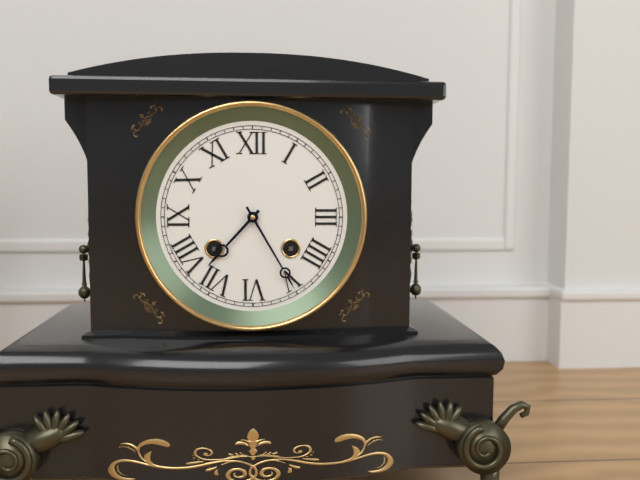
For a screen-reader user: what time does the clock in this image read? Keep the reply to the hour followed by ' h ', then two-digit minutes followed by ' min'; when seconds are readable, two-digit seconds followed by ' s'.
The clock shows 7 h 25 min
